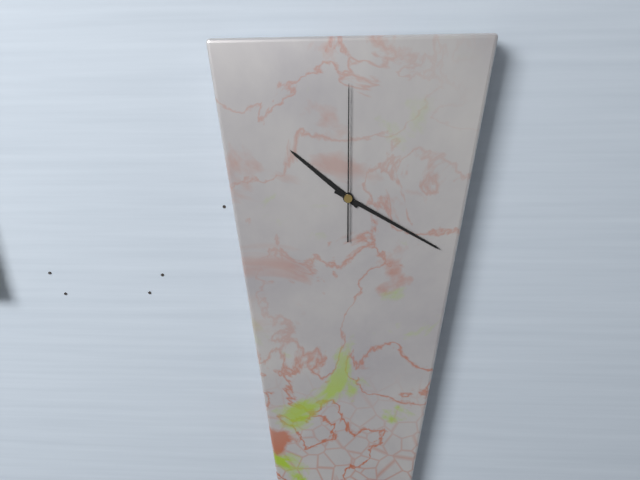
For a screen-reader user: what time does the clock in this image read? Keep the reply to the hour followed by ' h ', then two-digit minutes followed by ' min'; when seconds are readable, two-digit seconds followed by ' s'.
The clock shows 10 h 20 min 00 s
